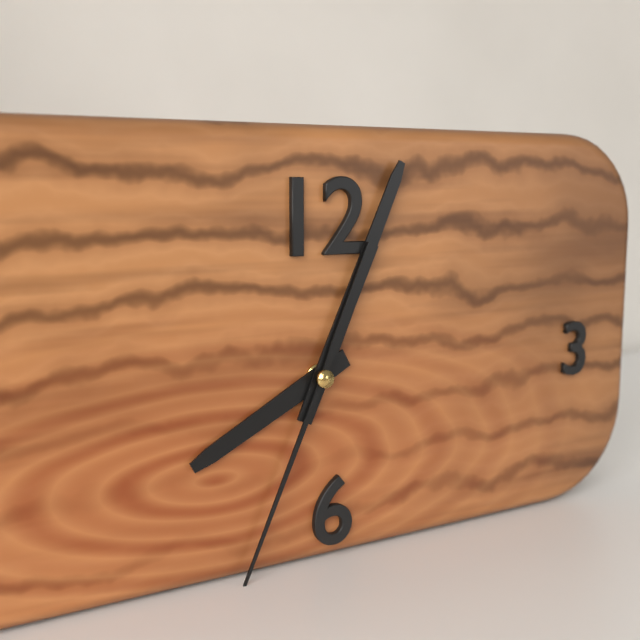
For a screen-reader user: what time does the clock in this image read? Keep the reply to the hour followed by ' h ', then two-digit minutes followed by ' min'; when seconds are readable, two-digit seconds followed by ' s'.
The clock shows 8 h 04 min 34 s
